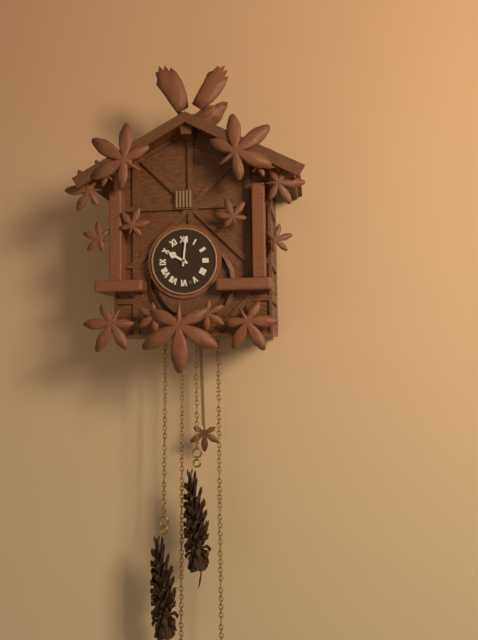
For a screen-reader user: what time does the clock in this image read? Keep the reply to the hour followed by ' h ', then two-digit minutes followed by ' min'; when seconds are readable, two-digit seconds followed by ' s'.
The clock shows 10 h 01 min
